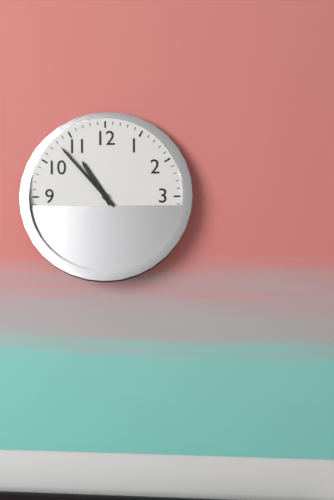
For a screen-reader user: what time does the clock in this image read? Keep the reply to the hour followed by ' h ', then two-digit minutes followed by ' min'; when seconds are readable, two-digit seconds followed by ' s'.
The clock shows 10 h 53 min
